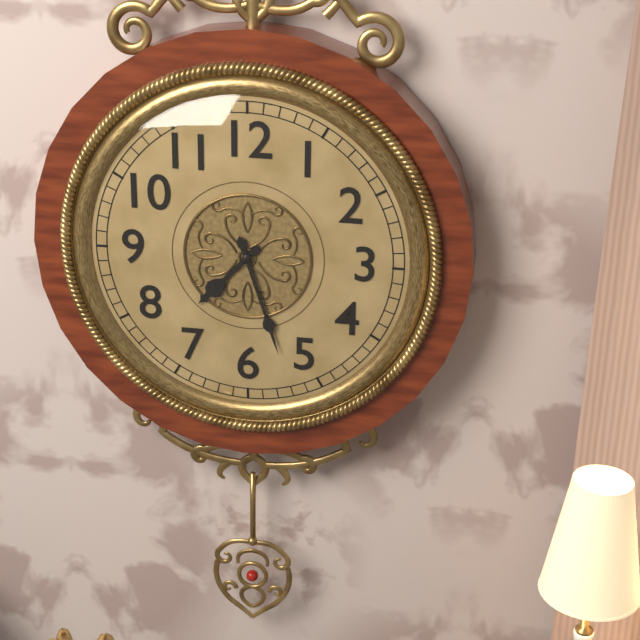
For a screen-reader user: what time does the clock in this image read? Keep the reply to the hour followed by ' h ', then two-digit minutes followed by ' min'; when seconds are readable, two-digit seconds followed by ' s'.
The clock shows 7 h 27 min
